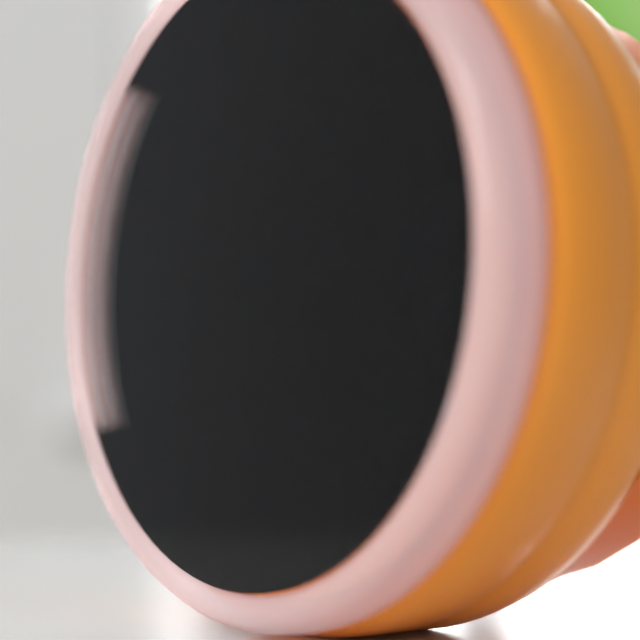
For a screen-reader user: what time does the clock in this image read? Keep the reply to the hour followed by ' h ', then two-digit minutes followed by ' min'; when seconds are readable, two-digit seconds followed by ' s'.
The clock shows 3 h 05 min 07 s
